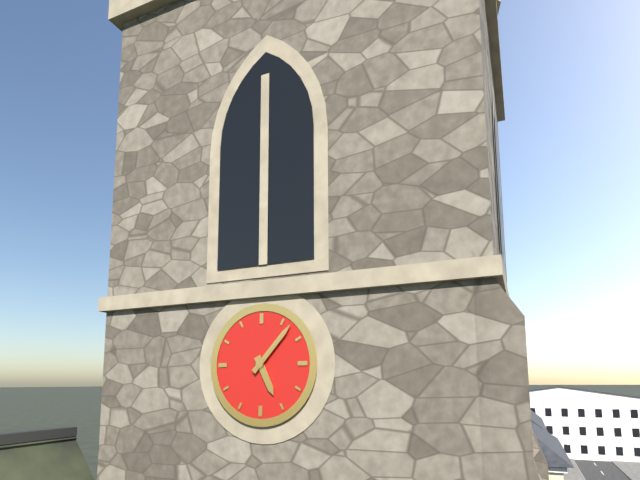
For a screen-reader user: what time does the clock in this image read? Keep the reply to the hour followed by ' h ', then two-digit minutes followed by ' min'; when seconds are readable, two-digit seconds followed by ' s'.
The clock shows 5 h 07 min
